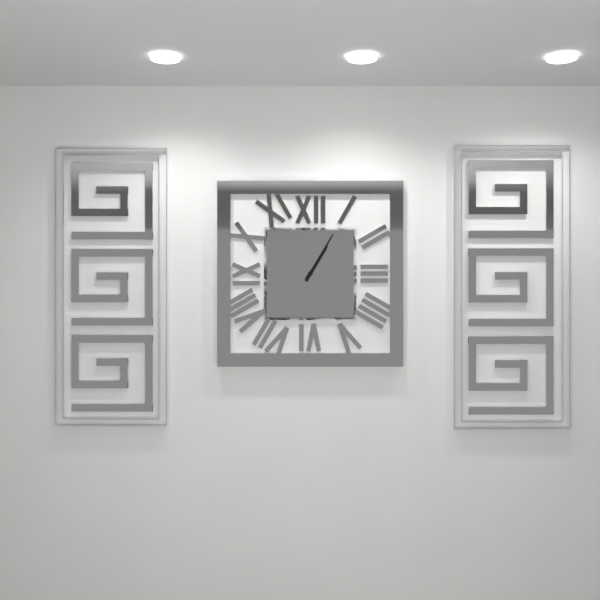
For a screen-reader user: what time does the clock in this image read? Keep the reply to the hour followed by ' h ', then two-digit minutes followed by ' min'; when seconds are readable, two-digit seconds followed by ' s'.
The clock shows 1 h 05 min
